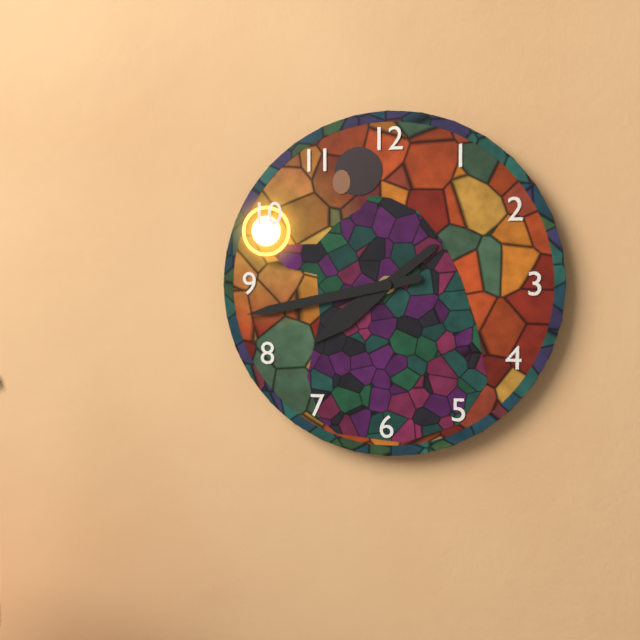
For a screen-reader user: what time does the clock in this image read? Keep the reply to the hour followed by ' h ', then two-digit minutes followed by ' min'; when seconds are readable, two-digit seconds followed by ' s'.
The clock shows 7 h 43 min
